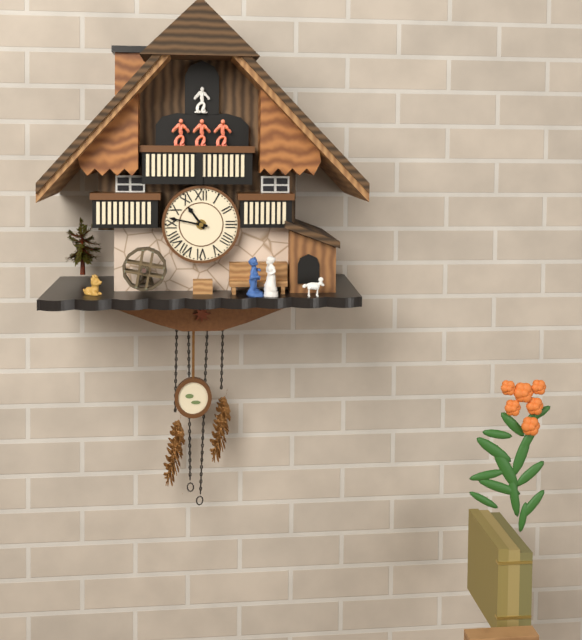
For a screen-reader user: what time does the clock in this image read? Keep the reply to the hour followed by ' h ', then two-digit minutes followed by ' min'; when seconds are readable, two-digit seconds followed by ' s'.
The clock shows 10 h 47 min
